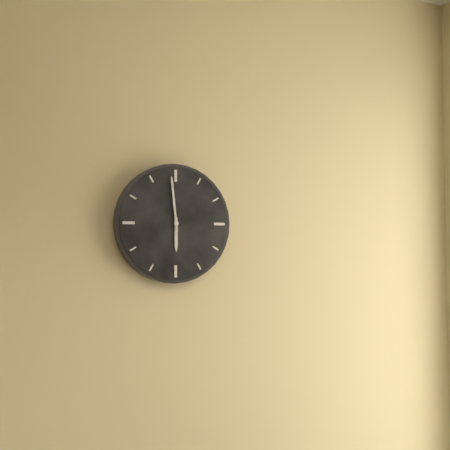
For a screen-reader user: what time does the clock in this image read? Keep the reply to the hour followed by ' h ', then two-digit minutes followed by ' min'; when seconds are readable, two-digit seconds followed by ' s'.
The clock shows 5 h 59 min
